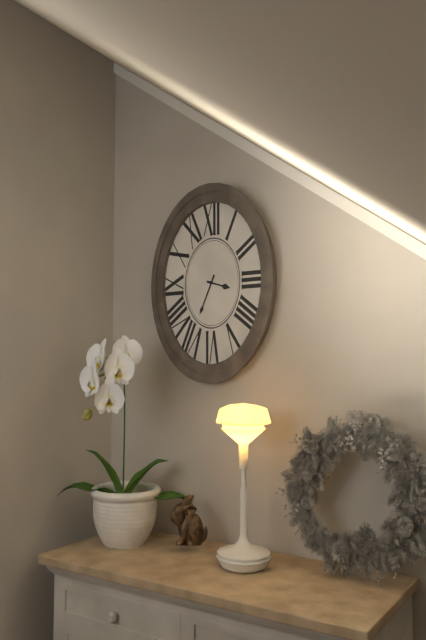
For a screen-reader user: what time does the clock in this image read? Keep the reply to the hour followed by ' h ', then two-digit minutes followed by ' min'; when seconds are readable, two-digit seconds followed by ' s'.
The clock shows 3 h 34 min
